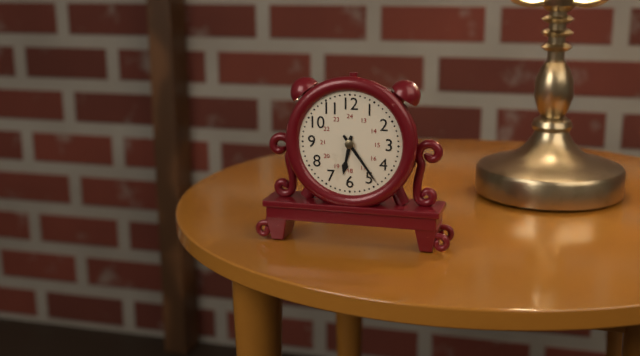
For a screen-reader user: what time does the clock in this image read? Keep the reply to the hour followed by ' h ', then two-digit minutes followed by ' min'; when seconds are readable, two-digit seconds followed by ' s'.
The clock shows 6 h 24 min
